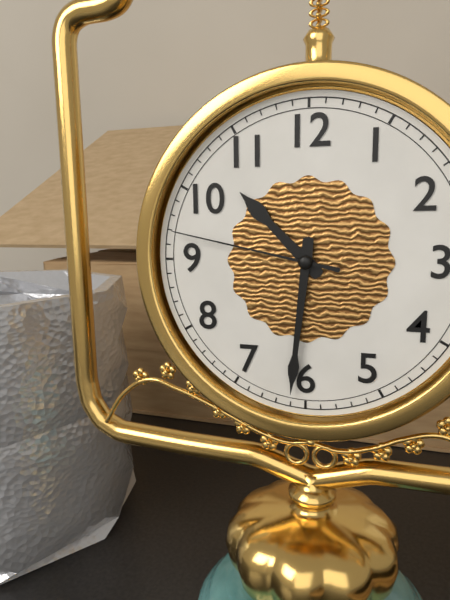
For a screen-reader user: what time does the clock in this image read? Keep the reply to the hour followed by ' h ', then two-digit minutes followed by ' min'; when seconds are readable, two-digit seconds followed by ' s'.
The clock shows 10 h 31 min 47 s
